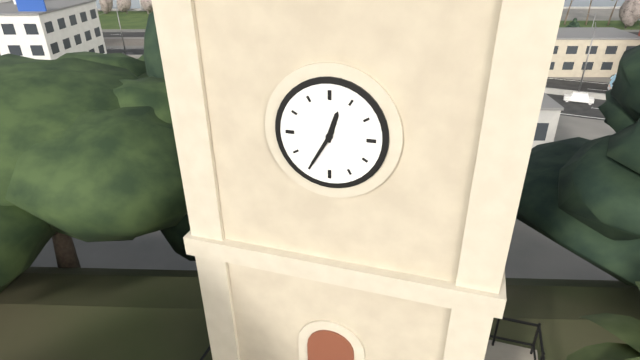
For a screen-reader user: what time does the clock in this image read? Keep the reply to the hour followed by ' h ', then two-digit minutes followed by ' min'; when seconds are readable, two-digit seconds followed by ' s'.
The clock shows 12 h 35 min
